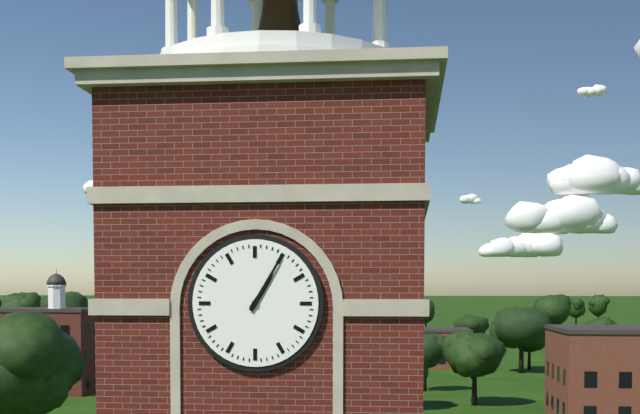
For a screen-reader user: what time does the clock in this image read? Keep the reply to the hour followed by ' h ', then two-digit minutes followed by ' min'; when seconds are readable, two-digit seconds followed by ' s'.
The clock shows 1 h 05 min
